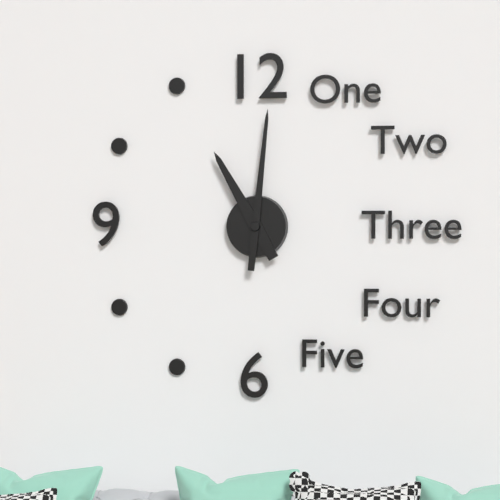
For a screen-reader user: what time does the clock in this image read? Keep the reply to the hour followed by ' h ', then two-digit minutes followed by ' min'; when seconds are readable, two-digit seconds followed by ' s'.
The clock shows 11 h 01 min
